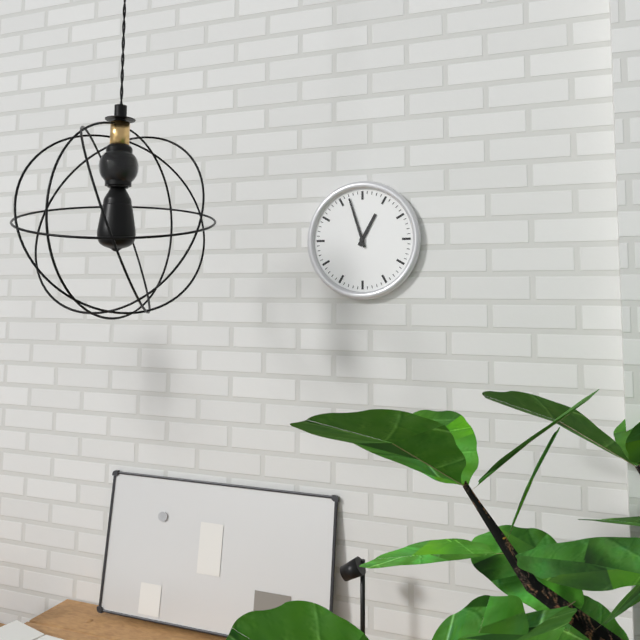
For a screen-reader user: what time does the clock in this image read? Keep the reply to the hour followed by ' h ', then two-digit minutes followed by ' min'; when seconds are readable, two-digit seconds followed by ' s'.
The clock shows 12 h 57 min
